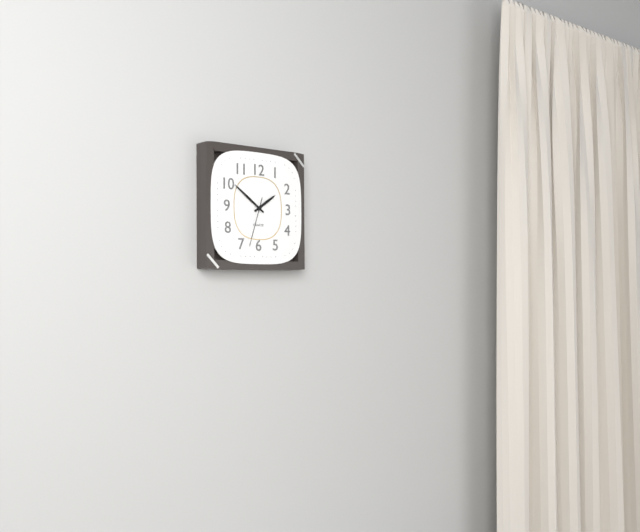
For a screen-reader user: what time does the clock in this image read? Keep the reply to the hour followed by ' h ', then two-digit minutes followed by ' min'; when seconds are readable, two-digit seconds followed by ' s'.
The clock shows 1 h 51 min
